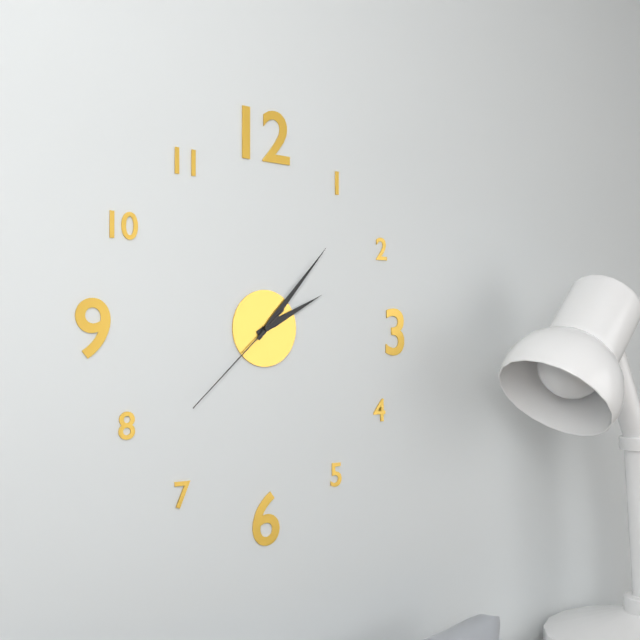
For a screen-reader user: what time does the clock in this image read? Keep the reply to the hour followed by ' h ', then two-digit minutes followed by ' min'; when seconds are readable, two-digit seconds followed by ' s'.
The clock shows 2 h 07 min 38 s
